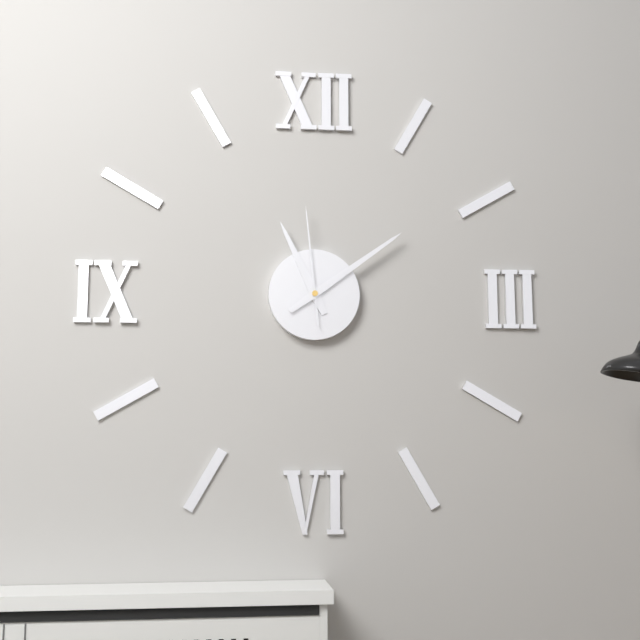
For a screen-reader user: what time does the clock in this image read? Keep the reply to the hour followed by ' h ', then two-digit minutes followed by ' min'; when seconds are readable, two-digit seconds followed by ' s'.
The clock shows 11 h 09 min 59 s
